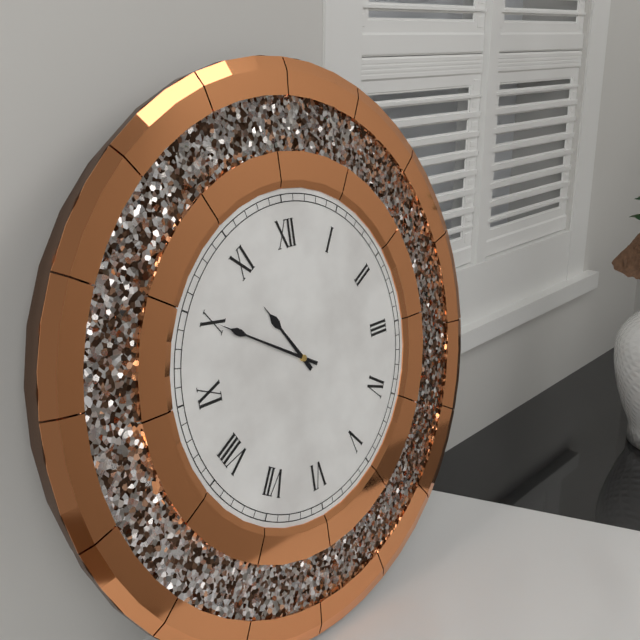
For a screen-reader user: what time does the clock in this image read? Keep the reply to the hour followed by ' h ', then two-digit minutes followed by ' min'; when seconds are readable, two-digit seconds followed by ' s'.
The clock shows 10 h 50 min
